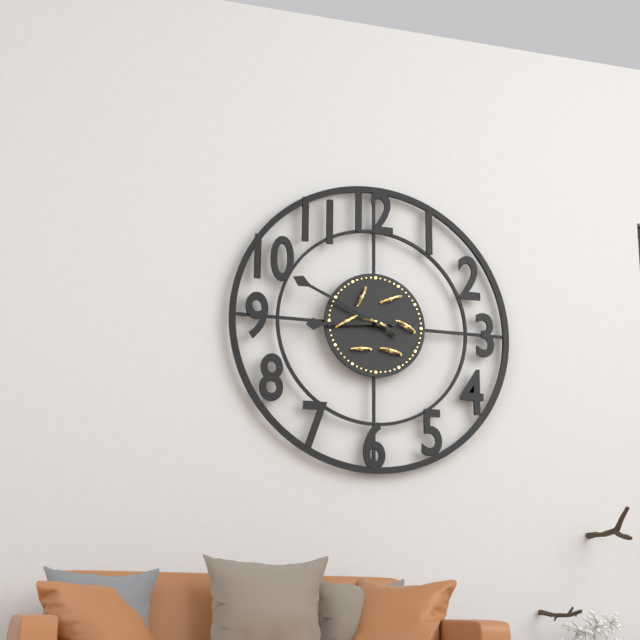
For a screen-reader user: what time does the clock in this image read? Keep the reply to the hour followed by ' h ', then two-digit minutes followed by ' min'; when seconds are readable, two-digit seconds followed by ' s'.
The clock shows 8 h 49 min
